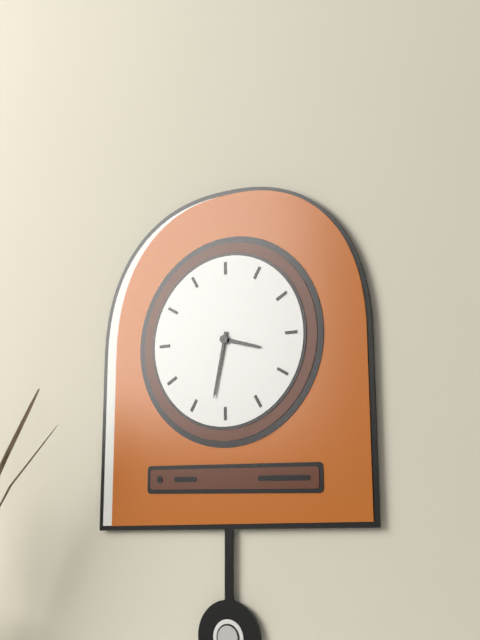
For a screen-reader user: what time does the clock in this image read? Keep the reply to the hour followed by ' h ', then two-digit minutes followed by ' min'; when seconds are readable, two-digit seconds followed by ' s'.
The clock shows 3 h 32 min
